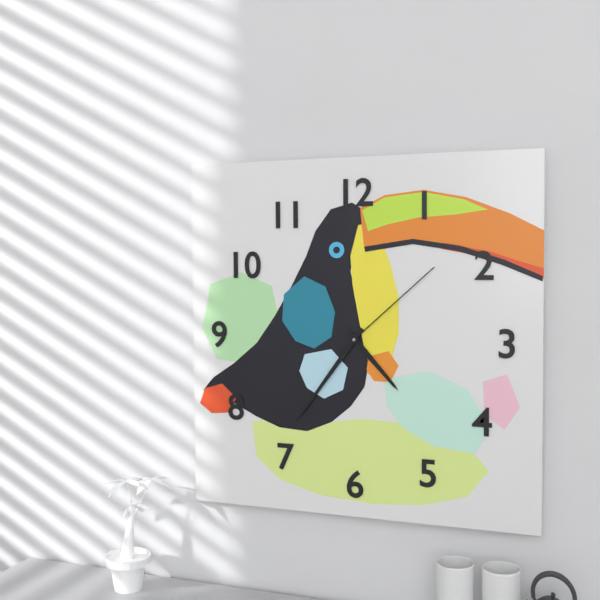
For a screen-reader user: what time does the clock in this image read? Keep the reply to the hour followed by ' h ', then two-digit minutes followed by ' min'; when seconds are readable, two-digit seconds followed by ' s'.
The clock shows 4 h 36 min 08 s
